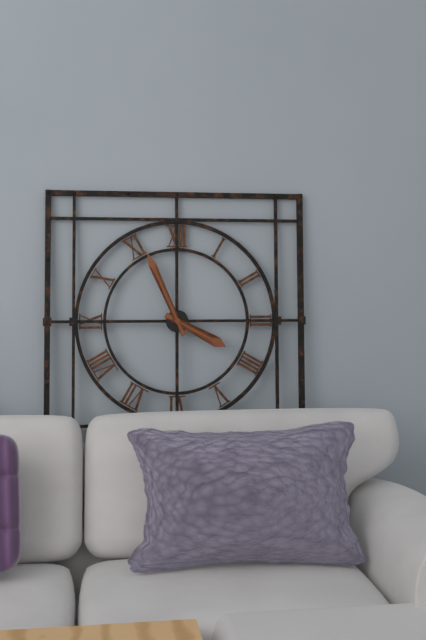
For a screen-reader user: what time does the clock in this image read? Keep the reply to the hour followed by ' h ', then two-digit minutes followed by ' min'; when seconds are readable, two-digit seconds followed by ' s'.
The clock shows 3 h 56 min
